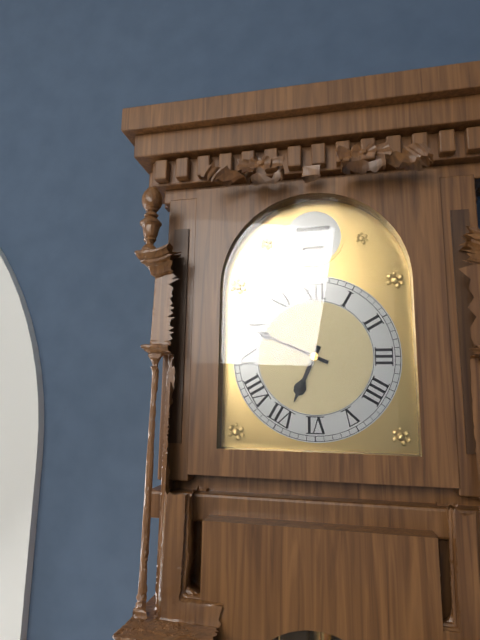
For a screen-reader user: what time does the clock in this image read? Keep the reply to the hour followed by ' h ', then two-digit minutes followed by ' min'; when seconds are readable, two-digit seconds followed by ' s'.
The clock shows 6 h 49 min
